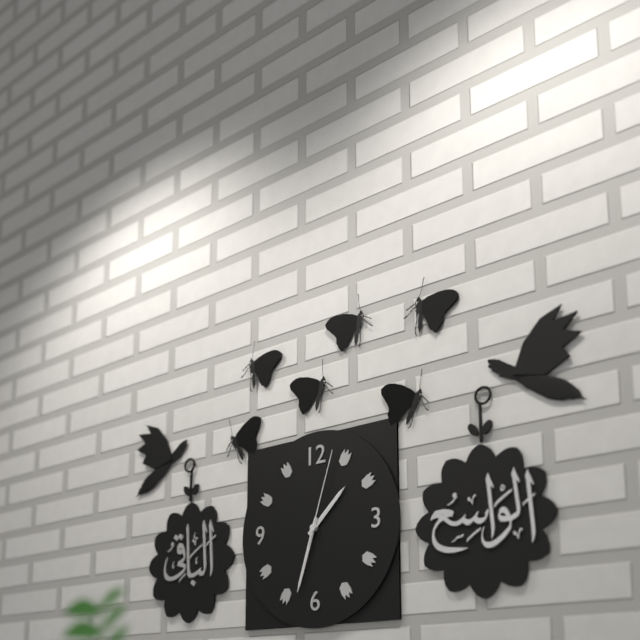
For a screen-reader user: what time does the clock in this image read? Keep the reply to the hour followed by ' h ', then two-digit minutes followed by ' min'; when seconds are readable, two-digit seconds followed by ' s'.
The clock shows 1 h 33 min 03 s
